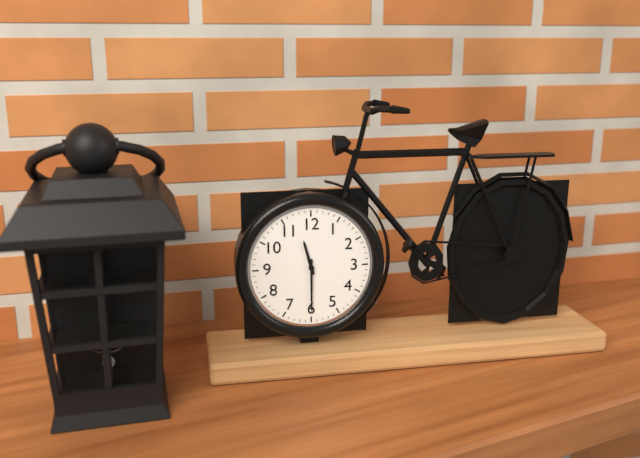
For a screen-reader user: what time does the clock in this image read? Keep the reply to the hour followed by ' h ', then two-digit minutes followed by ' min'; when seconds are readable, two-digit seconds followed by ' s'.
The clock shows 11 h 30 min
